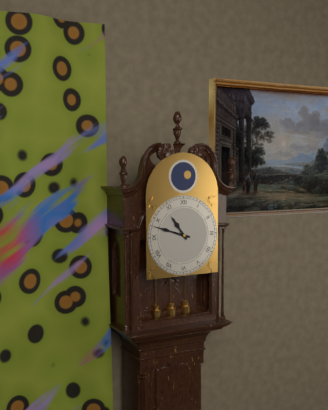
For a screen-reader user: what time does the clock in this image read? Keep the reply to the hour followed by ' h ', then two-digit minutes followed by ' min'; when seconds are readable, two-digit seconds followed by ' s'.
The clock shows 10 h 48 min
